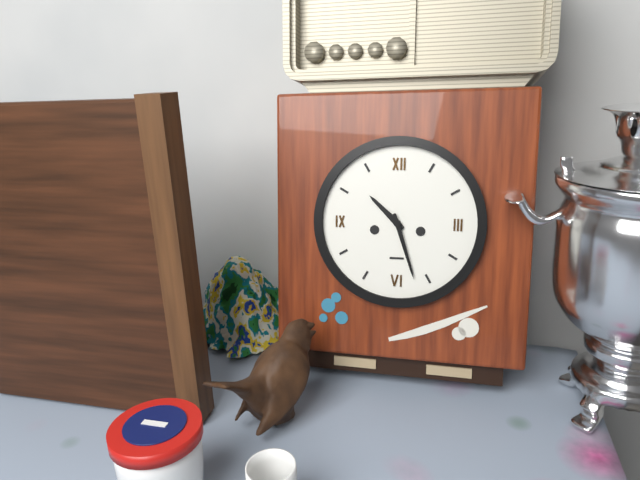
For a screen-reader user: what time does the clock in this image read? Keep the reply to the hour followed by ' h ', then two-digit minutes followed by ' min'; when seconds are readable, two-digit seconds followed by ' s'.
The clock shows 10 h 27 min
